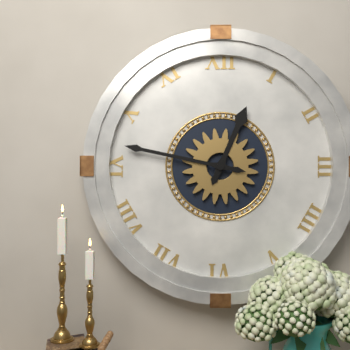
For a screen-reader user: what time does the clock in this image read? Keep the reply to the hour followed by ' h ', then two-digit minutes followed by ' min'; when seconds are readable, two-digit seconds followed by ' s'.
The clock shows 12 h 47 min
